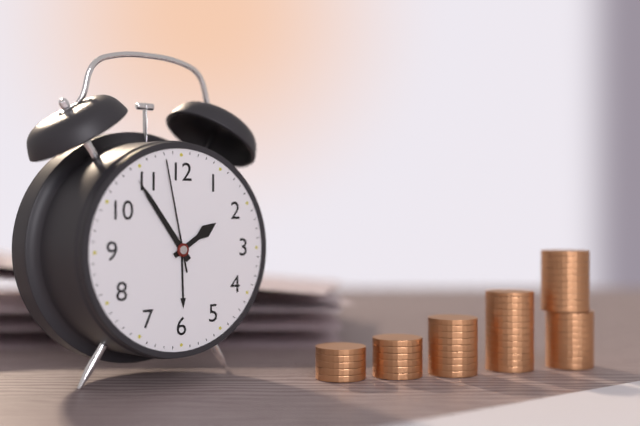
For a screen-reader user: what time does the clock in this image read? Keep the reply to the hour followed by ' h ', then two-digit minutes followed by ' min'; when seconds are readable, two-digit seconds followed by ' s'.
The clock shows 1 h 54 min 58 s
